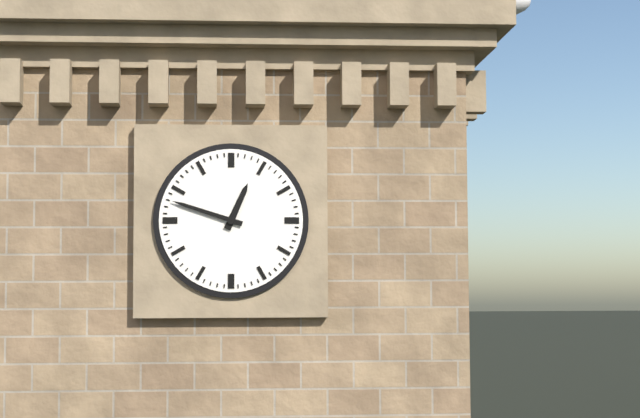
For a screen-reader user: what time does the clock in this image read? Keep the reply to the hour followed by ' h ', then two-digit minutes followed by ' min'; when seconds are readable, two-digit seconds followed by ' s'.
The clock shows 12 h 48 min
